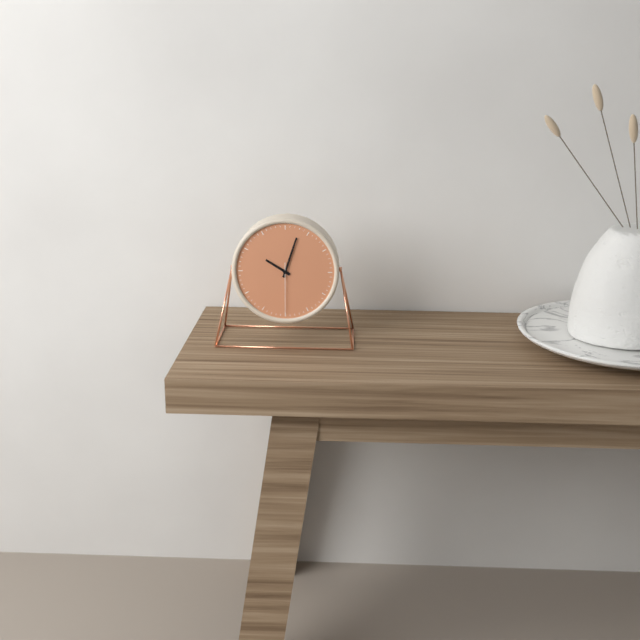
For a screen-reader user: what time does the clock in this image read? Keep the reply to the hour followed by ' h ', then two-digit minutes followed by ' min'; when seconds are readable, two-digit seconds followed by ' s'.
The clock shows 10 h 03 min 30 s
